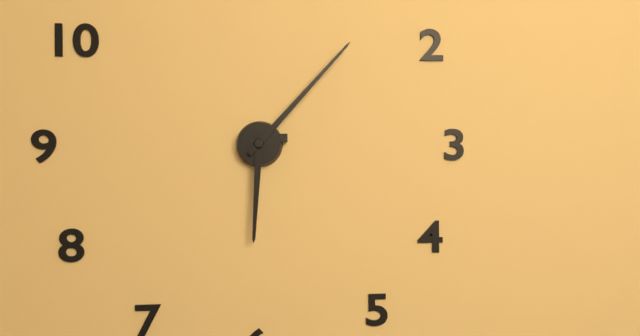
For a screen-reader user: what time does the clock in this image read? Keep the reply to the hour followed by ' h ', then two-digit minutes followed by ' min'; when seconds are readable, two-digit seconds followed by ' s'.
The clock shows 6 h 07 min
